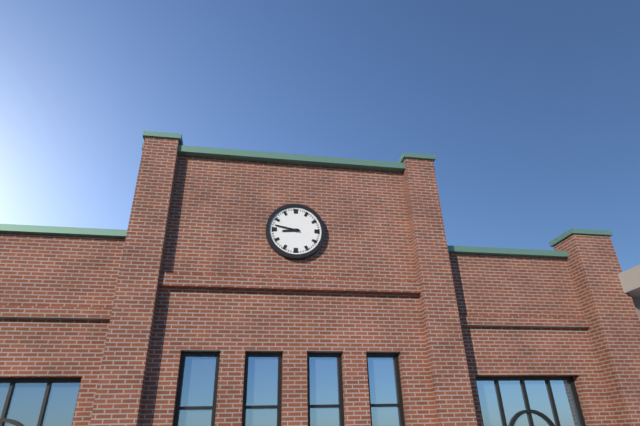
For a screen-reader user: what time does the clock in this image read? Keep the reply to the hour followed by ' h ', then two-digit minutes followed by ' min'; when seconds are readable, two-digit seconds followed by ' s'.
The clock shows 8 h 47 min
